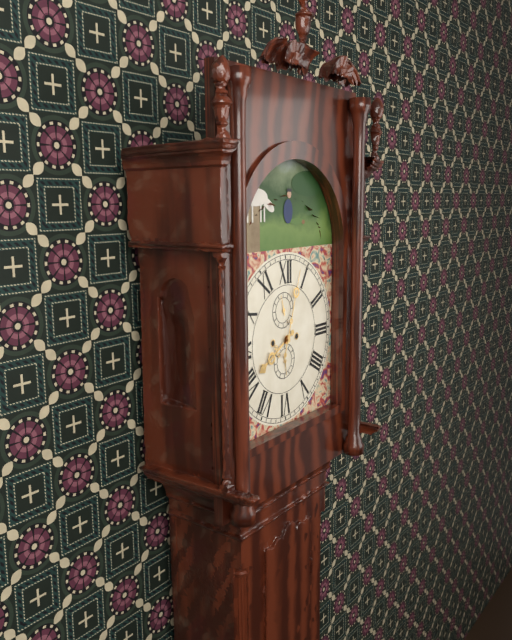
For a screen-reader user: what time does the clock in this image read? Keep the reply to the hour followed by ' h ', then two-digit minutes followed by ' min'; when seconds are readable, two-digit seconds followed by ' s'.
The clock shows 8 h 03 min
